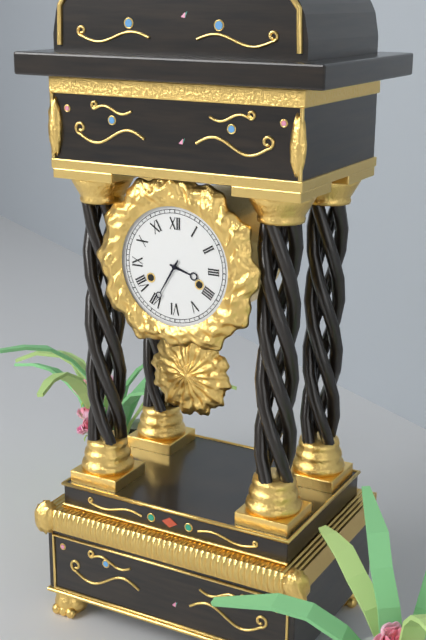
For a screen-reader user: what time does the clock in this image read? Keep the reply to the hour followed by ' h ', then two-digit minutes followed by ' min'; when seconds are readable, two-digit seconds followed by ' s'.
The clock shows 3 h 35 min
